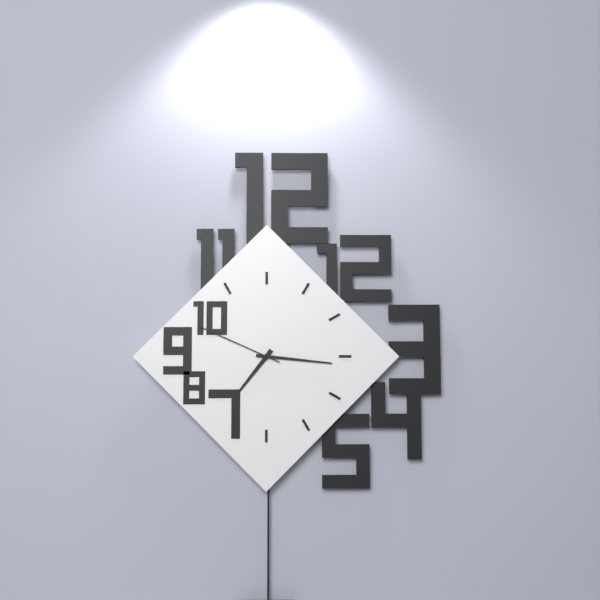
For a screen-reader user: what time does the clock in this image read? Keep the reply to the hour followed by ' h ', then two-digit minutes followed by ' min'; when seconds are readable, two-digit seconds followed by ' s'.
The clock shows 7 h 16 min 49 s
